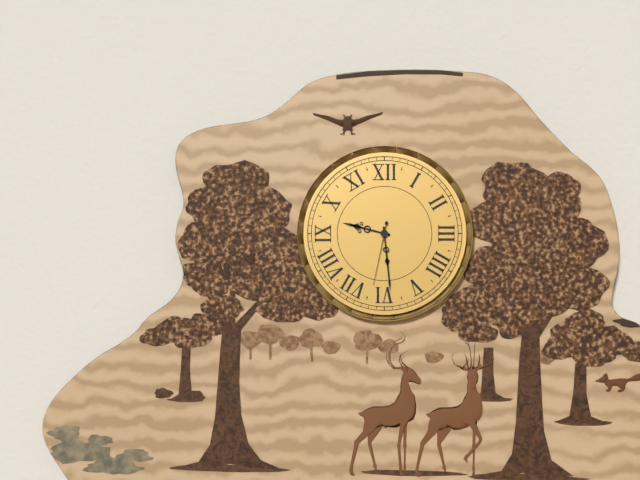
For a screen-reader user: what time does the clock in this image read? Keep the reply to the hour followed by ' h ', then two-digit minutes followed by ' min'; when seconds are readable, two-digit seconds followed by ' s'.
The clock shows 9 h 29 min 32 s
